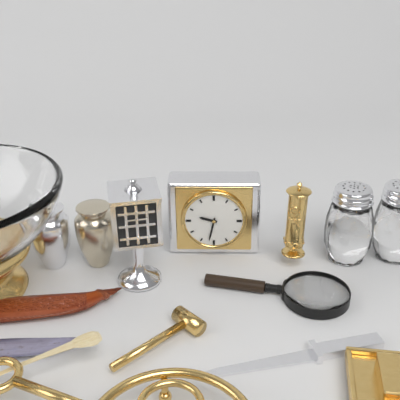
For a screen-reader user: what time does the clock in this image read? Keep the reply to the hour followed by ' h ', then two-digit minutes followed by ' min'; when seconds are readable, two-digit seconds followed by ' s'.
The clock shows 9 h 32 min
